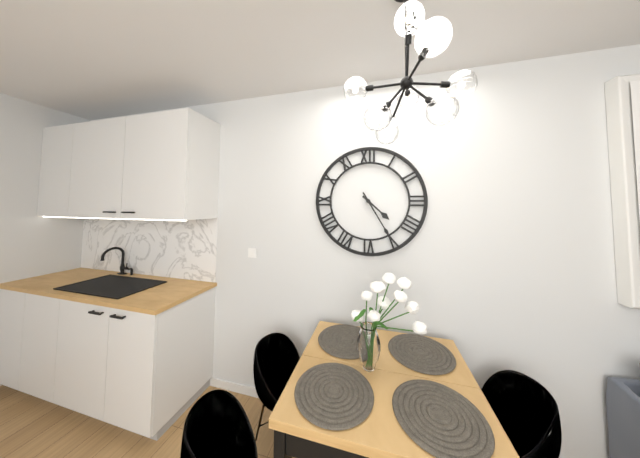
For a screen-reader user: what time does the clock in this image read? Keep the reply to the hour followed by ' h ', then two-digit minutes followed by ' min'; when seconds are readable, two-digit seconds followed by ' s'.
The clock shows 4 h 25 min
